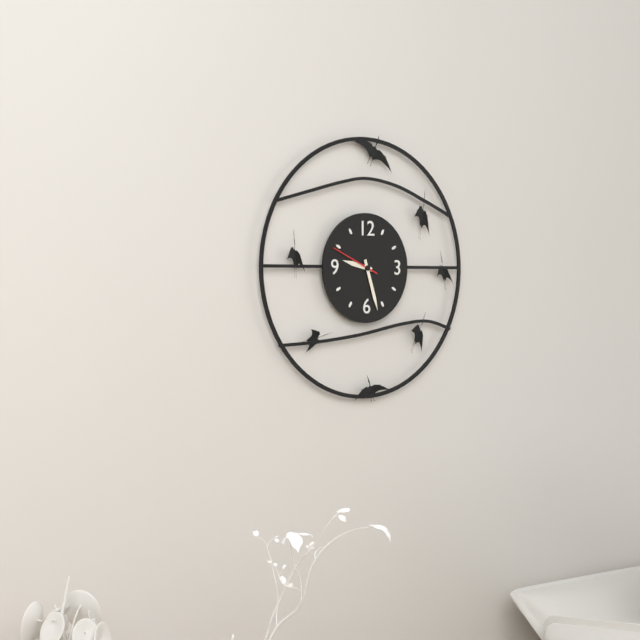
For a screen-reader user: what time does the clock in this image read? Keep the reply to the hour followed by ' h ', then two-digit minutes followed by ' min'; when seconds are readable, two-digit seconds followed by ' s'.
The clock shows 9 h 27 min
